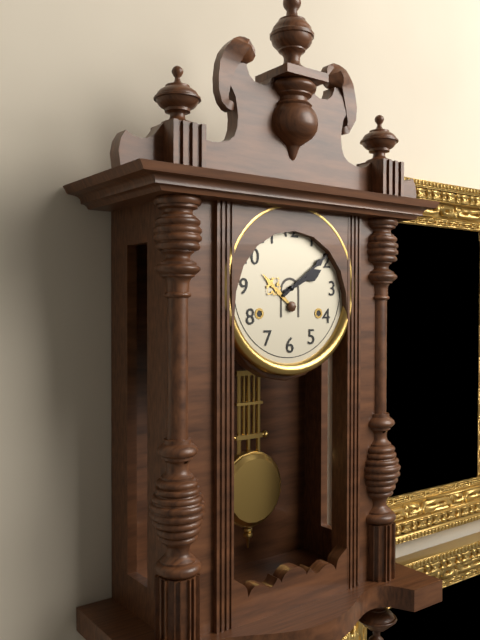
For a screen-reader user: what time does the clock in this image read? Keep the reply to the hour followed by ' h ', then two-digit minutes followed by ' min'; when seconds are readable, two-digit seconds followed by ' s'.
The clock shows 2 h 09 min
